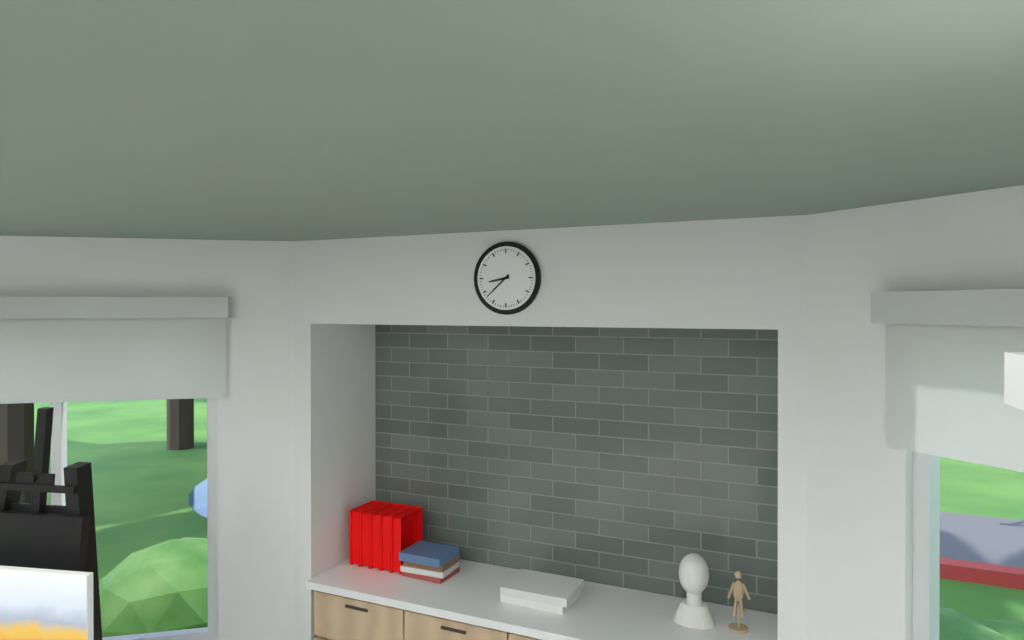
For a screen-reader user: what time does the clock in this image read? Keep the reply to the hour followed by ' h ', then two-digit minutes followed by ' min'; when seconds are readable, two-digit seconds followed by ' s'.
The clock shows 8 h 38 min
